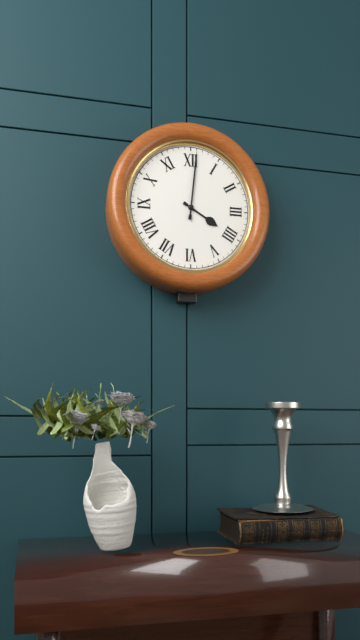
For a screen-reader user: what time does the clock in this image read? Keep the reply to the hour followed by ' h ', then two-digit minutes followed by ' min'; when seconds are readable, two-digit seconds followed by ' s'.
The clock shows 4 h 01 min
